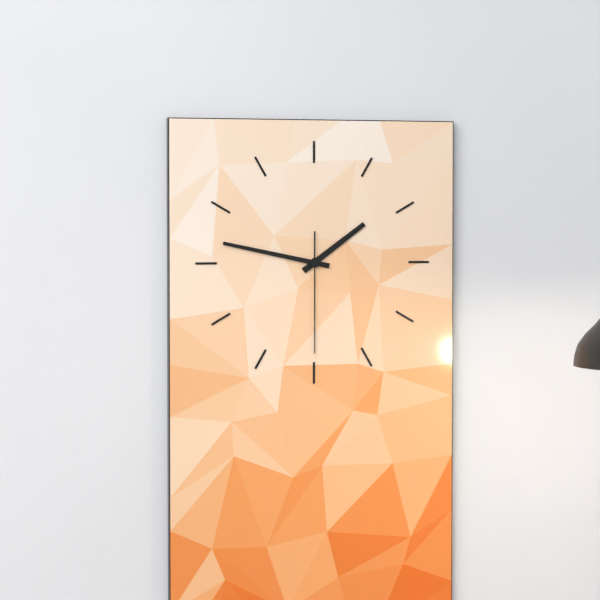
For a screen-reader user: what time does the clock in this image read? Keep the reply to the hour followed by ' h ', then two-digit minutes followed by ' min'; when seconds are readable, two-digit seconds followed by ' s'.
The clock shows 1 h 47 min 30 s
